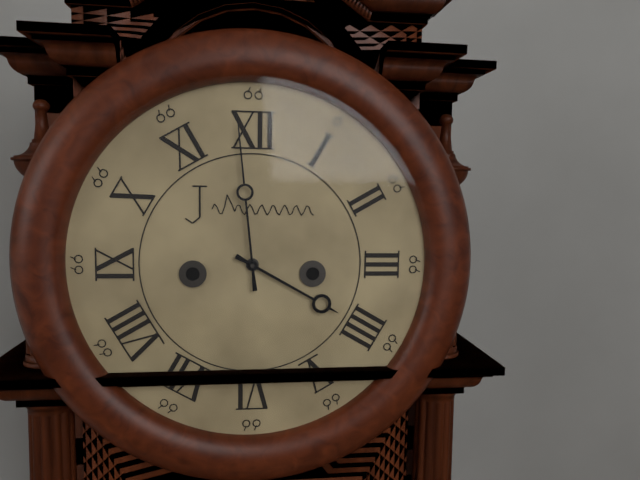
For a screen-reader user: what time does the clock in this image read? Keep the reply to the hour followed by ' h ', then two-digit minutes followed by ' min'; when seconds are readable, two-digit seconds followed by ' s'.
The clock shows 3 h 59 min
